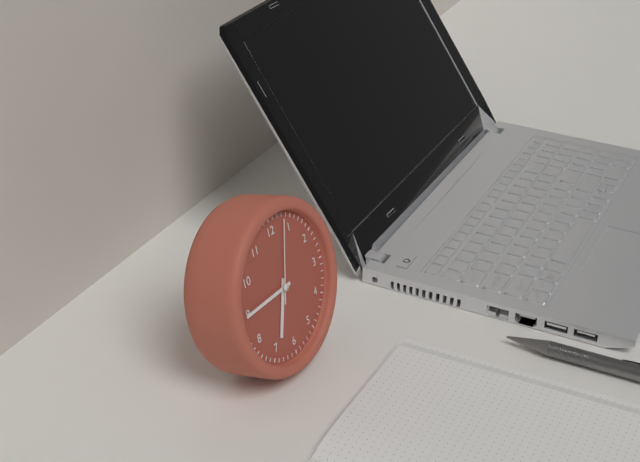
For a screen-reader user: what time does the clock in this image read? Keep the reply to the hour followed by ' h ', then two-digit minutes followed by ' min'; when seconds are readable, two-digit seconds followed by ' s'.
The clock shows 6 h 45 min 03 s
